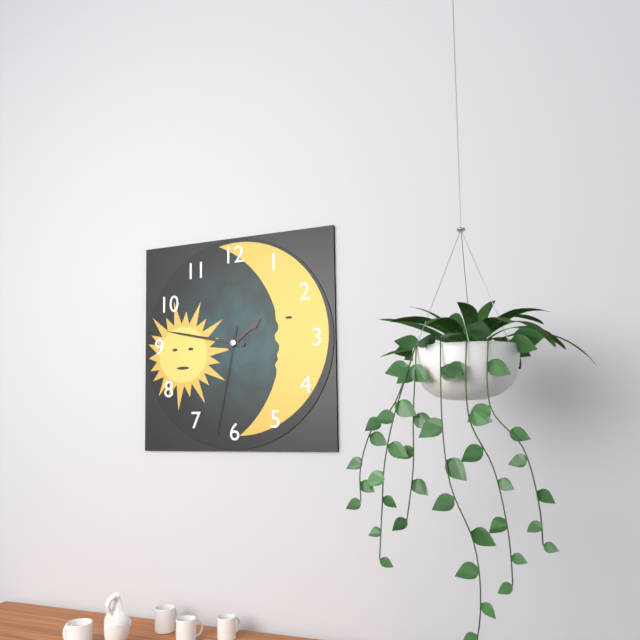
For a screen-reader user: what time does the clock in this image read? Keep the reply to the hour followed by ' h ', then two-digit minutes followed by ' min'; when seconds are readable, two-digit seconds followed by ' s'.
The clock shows 1 h 47 min 32 s
